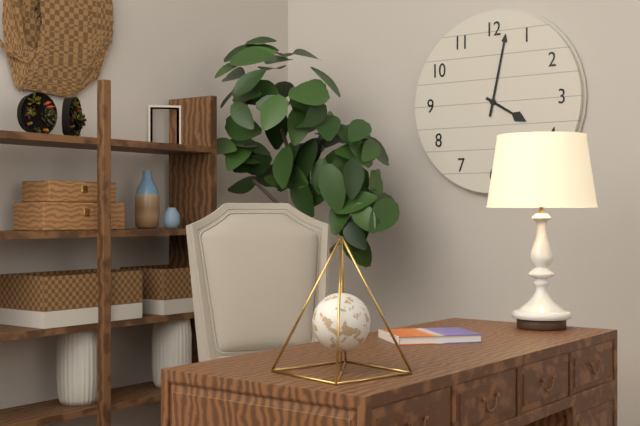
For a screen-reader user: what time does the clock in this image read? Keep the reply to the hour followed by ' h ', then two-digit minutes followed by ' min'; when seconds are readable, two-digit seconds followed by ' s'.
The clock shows 4 h 02 min
